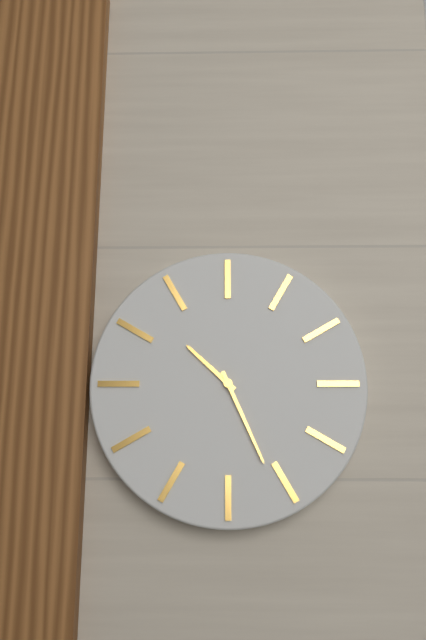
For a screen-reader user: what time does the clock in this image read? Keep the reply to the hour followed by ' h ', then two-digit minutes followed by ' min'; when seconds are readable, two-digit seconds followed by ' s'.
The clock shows 10 h 26 min
